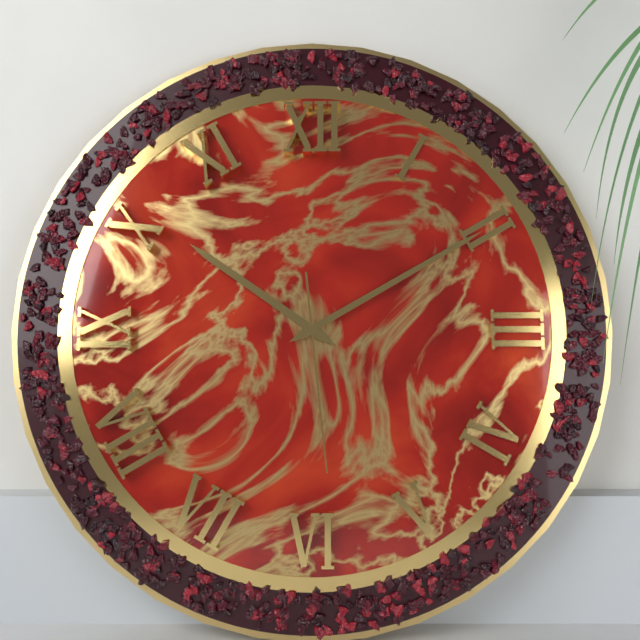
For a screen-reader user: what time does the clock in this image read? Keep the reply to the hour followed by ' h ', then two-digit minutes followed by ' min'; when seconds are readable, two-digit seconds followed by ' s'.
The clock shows 10 h 10 min 29 s
